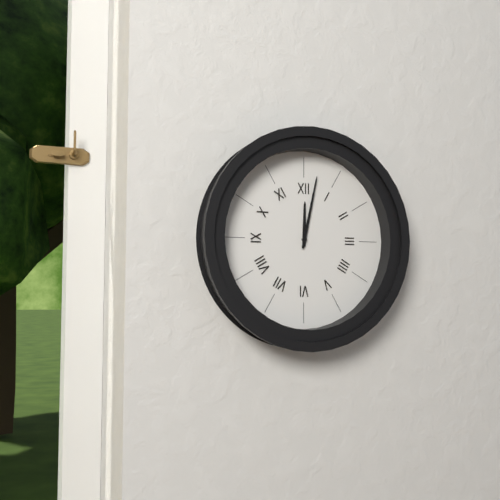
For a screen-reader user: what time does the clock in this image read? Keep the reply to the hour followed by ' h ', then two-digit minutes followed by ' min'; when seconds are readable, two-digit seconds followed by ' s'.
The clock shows 12 h 02 min
